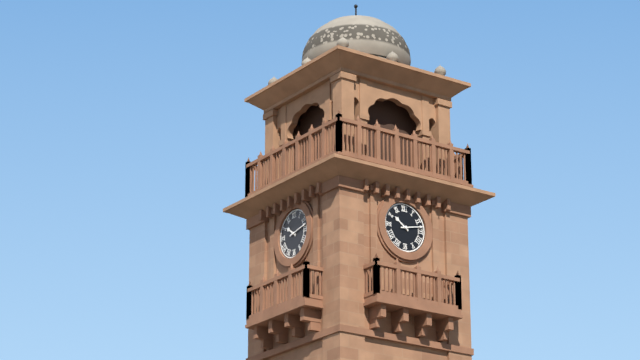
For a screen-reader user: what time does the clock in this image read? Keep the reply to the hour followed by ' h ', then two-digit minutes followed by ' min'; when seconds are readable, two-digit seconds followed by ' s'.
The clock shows 10 h 13 min
